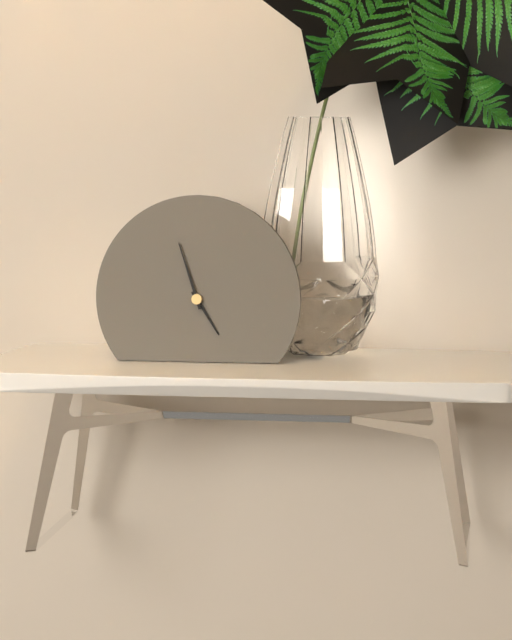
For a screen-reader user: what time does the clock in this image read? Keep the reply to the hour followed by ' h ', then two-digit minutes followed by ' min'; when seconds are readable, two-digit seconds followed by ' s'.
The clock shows 4 h 57 min
